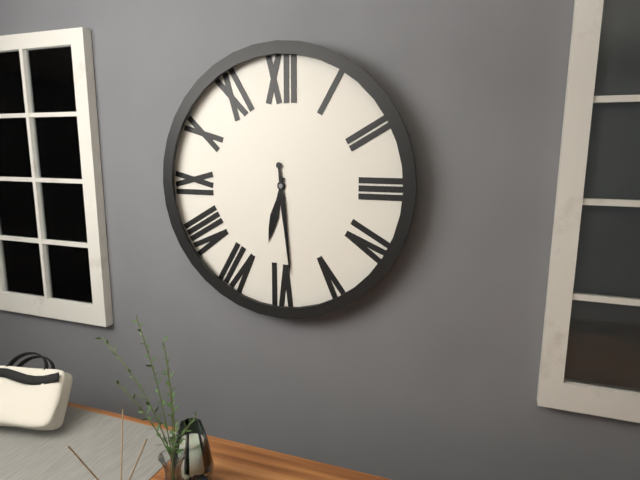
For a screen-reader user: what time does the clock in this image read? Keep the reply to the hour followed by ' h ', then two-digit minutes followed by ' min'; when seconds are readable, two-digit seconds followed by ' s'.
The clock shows 6 h 29 min
